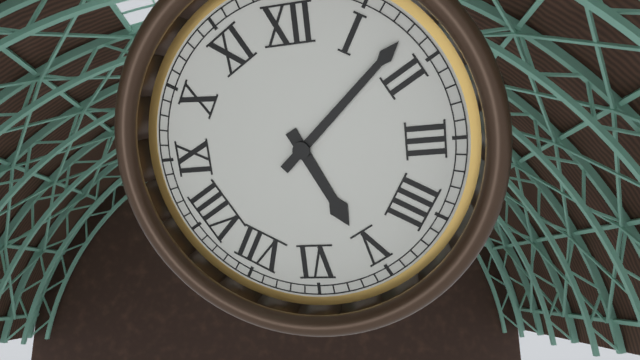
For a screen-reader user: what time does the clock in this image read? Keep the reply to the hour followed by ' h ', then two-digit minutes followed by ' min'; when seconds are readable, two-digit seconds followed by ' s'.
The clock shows 5 h 08 min
